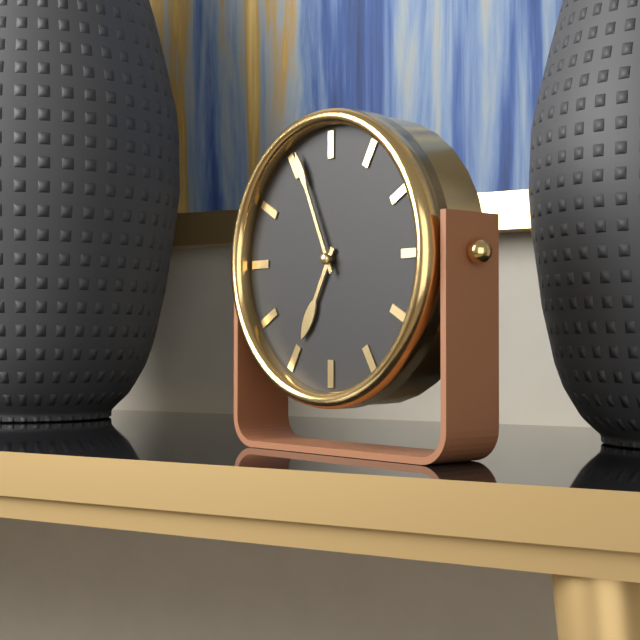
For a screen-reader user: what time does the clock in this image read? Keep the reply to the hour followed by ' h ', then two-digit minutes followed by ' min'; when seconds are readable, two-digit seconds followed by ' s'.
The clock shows 6 h 56 min
